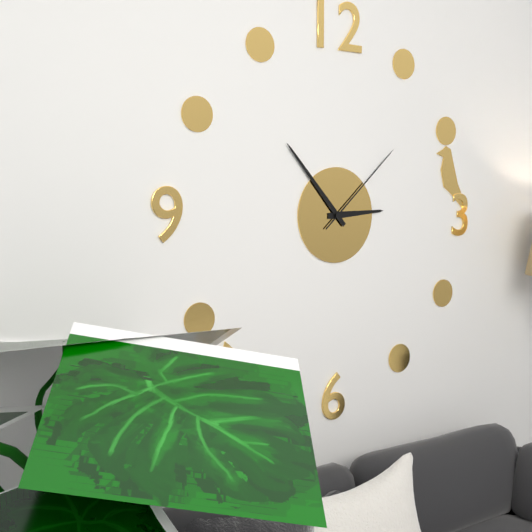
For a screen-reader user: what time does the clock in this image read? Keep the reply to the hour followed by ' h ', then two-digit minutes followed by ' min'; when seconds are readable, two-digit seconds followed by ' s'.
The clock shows 2 h 53 min 08 s
